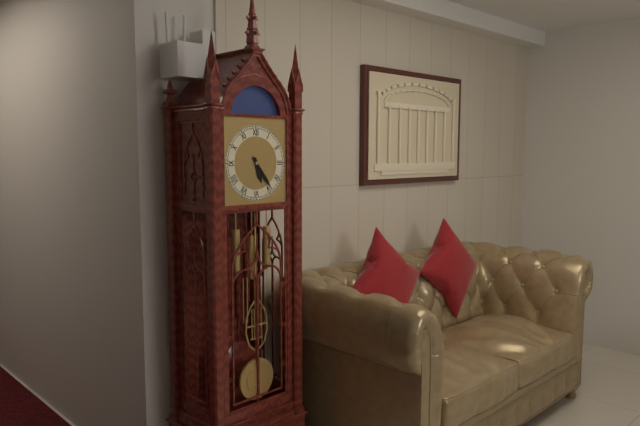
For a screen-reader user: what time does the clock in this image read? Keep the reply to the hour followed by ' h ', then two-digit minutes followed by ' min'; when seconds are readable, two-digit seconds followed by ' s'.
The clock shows 5 h 24 min
